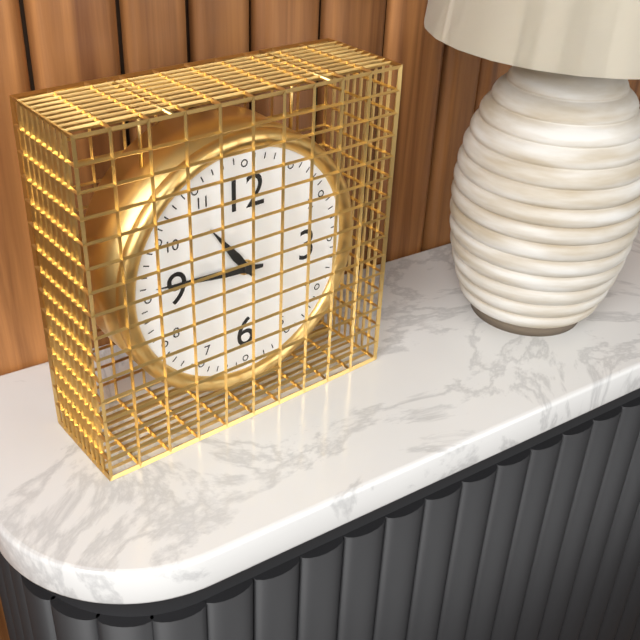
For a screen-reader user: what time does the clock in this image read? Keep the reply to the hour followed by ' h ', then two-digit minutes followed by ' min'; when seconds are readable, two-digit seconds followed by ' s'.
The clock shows 10 h 46 min
